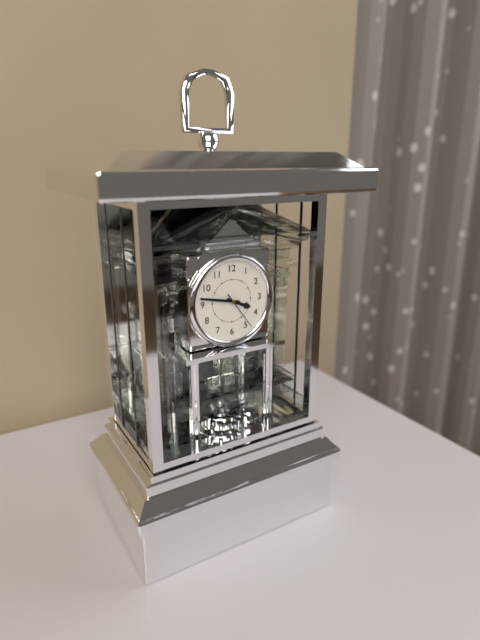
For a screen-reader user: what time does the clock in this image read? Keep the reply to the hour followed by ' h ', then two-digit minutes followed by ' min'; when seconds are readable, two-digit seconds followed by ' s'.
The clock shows 3 h 47 min
